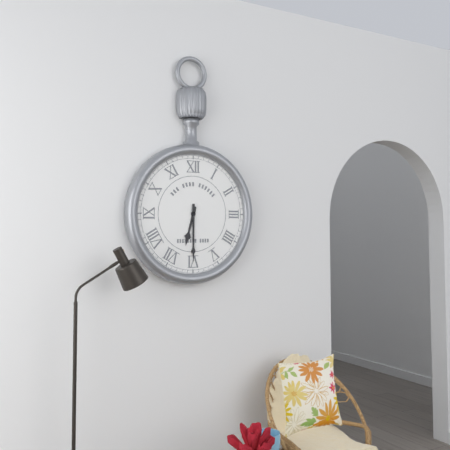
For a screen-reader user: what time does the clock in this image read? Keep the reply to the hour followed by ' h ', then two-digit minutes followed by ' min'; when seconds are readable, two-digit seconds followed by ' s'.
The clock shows 6 h 30 min
